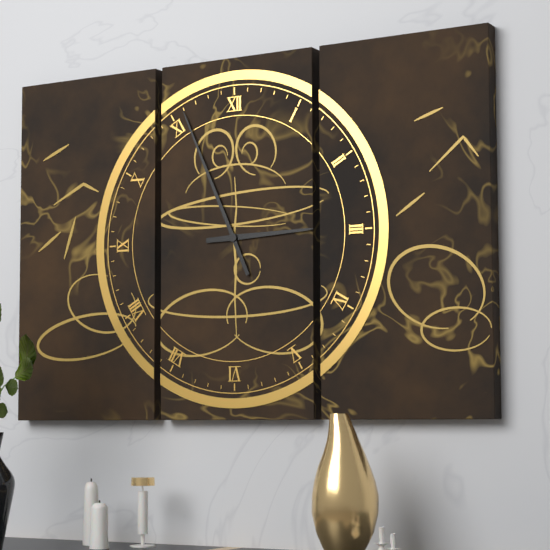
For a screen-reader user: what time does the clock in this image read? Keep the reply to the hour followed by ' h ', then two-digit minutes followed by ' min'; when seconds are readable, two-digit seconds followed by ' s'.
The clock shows 2 h 56 min
